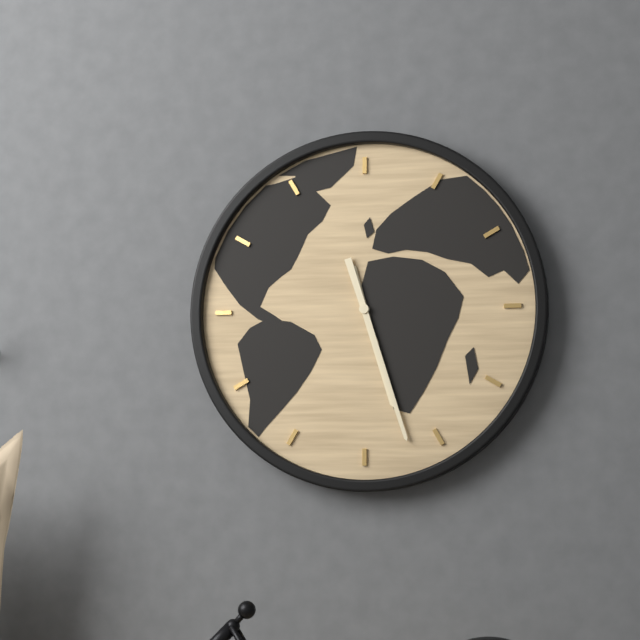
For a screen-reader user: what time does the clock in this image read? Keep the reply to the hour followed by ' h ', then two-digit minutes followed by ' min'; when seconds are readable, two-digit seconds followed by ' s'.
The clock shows 5 h 27 min
